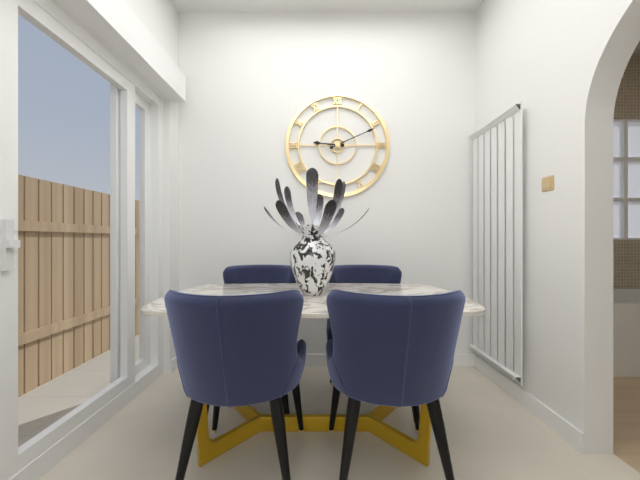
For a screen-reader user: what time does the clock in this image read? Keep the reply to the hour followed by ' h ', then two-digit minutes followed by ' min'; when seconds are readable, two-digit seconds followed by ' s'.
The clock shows 9 h 11 min
